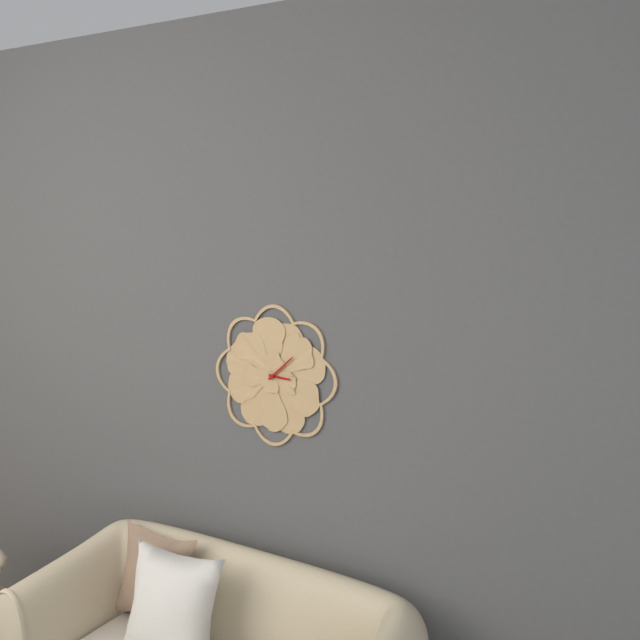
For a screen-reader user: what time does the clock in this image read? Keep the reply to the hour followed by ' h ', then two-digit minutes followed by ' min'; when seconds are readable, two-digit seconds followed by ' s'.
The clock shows 3 h 08 min
